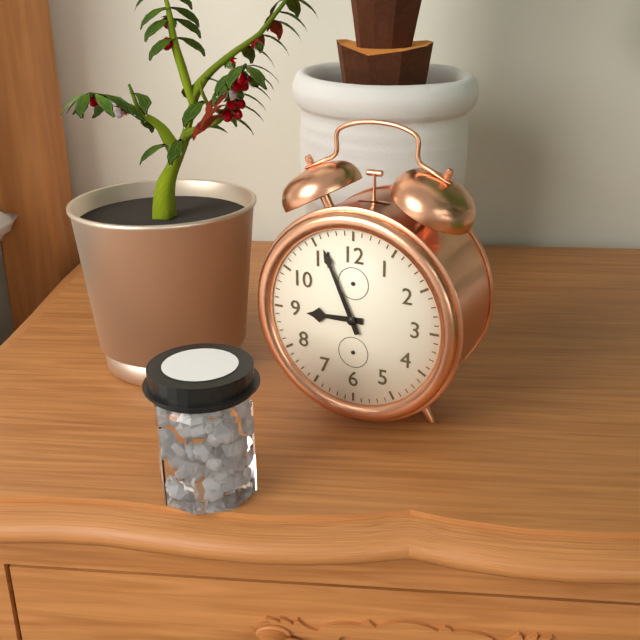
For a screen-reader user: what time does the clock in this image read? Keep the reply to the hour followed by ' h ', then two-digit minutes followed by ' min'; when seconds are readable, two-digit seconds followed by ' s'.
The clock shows 8 h 56 min
